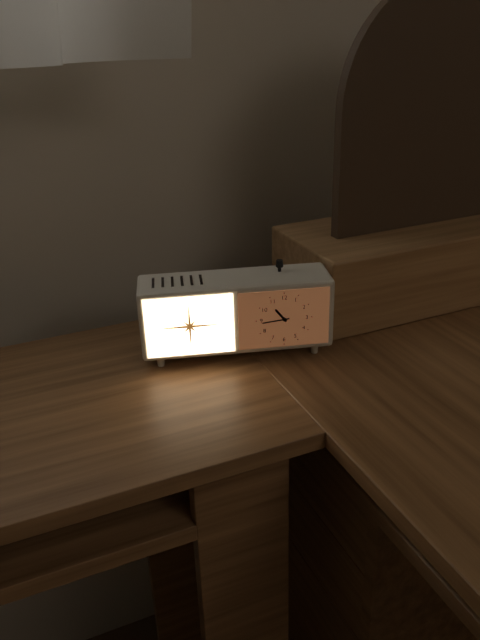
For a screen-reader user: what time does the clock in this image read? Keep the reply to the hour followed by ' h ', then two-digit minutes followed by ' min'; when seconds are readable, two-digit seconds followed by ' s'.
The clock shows 10 h 44 min
